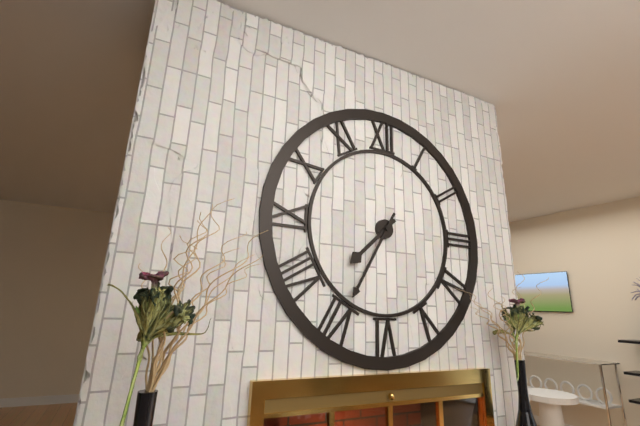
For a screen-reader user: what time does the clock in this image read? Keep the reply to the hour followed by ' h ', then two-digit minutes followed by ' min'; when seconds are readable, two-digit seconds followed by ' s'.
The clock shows 7 h 35 min
